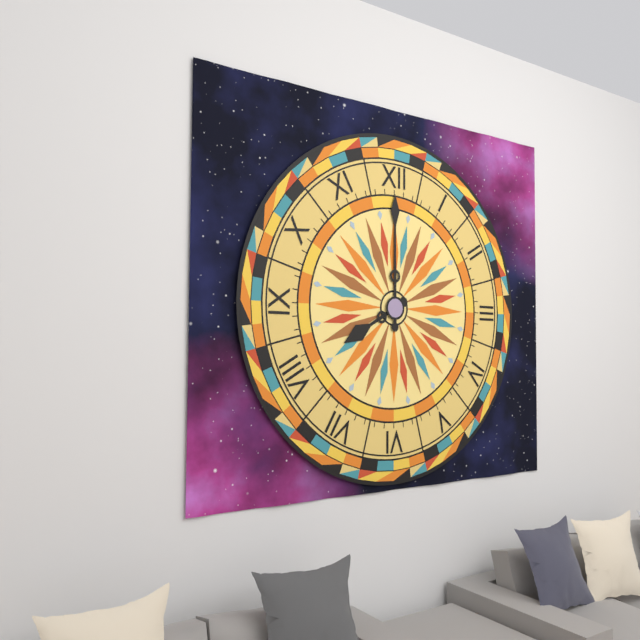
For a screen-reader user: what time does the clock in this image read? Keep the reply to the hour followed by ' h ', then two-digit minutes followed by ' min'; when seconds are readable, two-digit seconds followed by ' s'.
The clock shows 8 h 00 min
